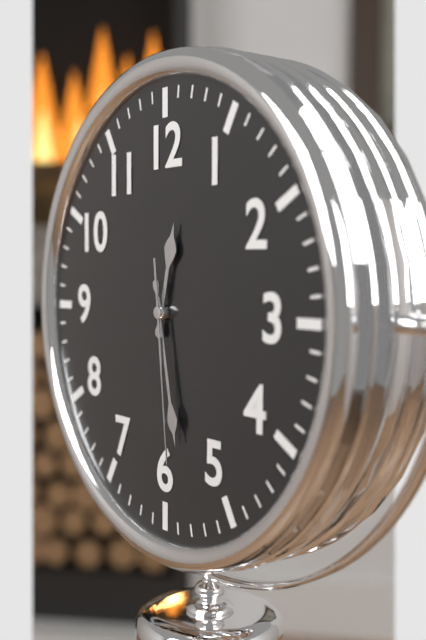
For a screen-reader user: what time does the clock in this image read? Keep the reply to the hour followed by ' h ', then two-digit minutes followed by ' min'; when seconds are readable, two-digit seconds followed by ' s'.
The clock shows 12 h 28 min 29 s
